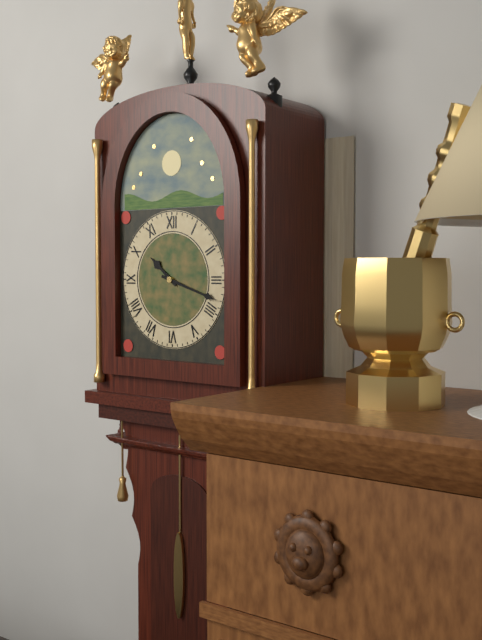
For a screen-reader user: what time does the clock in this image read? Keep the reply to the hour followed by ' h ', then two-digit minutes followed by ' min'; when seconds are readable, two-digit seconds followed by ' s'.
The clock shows 10 h 18 min
